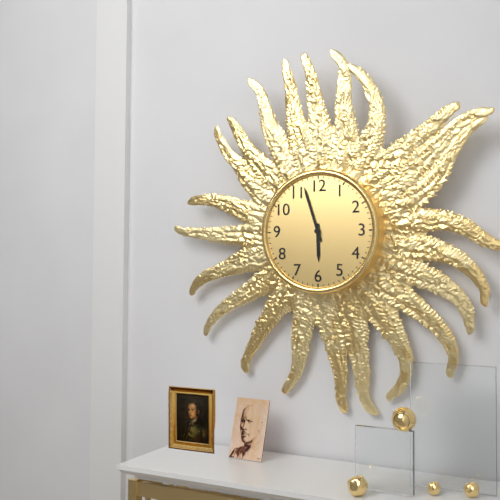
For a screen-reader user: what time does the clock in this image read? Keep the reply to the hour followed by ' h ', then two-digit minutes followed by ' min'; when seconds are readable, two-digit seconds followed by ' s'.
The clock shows 5 h 57 min
